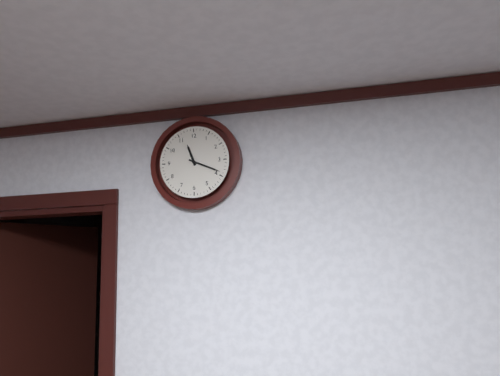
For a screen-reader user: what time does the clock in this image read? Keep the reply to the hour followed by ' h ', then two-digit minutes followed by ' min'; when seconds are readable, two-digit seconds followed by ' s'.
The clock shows 11 h 19 min
